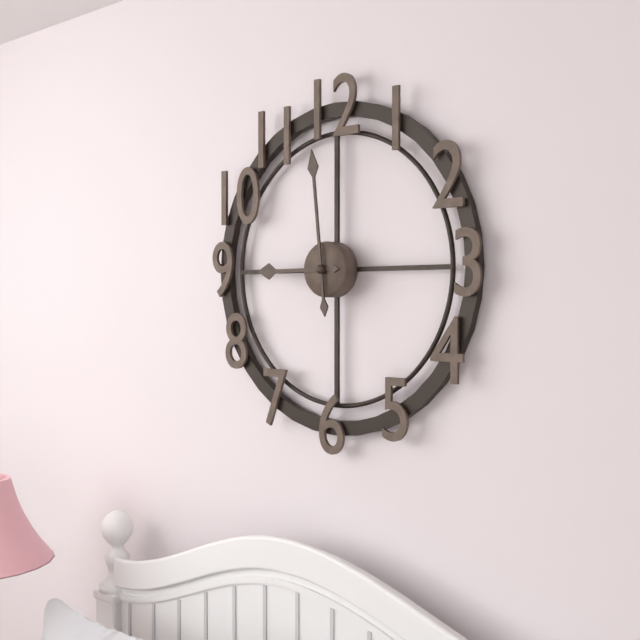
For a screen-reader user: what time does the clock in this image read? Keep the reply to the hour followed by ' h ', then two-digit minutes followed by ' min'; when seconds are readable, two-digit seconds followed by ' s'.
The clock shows 8 h 59 min
